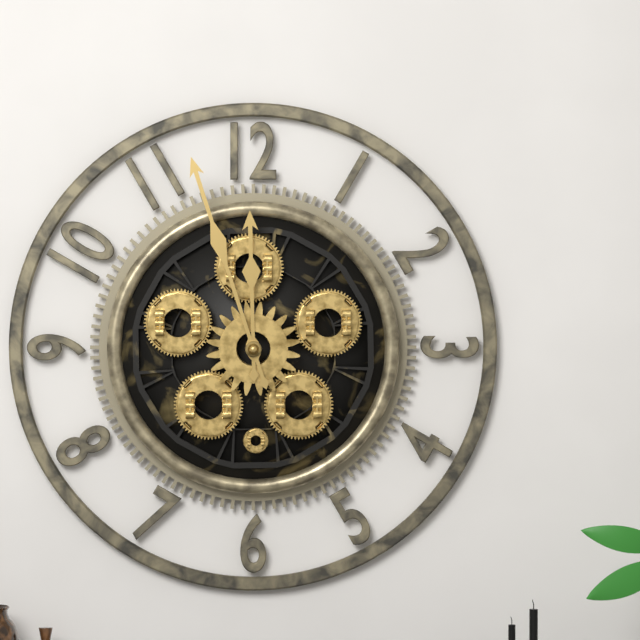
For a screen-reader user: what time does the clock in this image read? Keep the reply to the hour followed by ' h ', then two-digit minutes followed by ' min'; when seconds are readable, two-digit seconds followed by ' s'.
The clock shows 11 h 57 min
